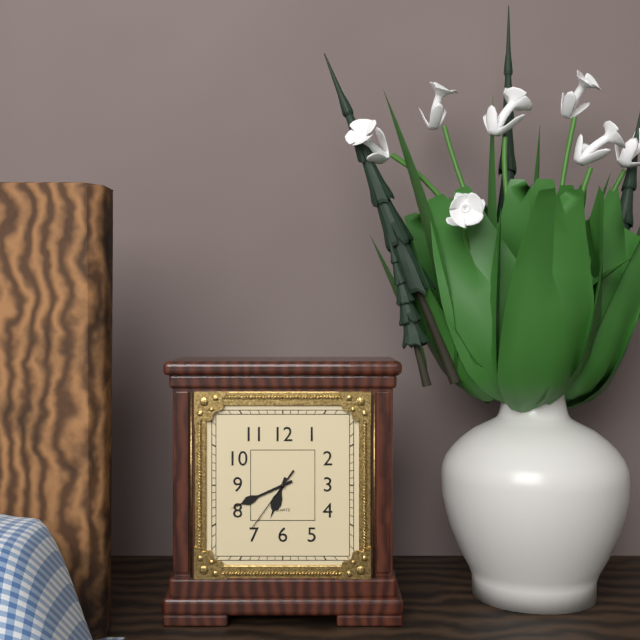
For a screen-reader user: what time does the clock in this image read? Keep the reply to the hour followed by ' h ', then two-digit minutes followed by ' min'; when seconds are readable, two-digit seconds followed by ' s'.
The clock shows 6 h 41 min 36 s
